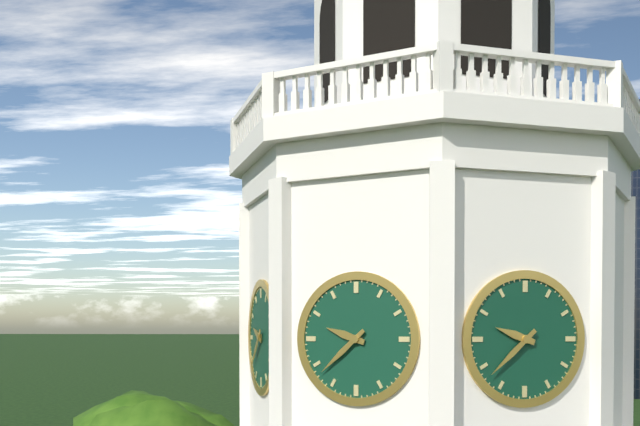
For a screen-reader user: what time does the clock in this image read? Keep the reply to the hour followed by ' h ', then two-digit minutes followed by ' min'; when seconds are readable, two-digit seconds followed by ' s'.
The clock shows 9 h 38 min
